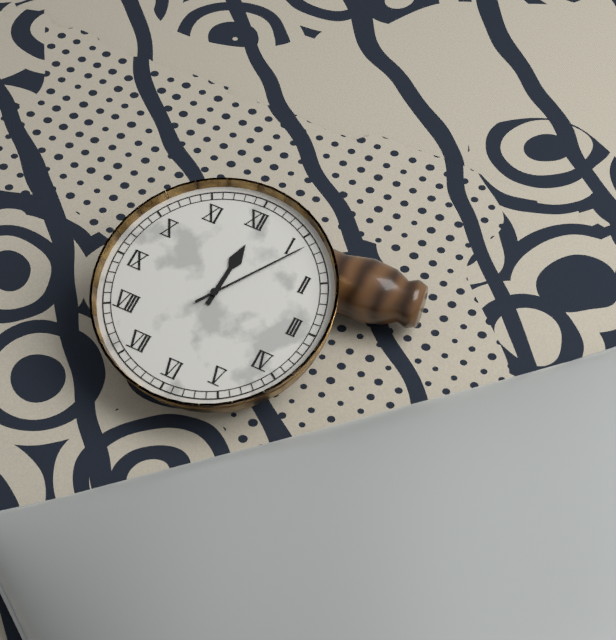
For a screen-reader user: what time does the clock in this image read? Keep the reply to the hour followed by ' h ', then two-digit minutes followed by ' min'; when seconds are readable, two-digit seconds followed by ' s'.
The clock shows 12 h 06 min
